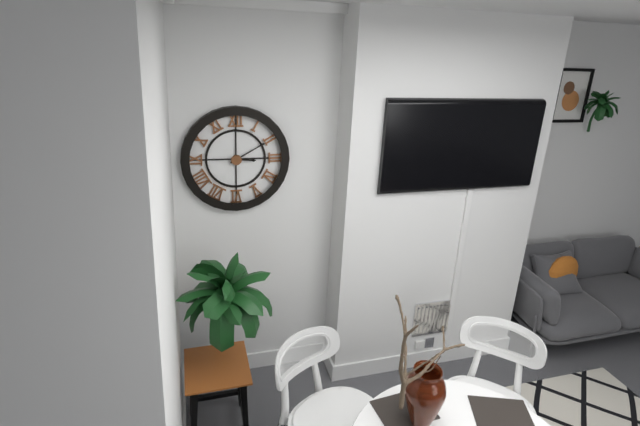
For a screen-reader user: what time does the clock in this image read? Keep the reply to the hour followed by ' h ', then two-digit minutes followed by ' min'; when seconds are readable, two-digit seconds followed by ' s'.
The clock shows 3 h 10 min
